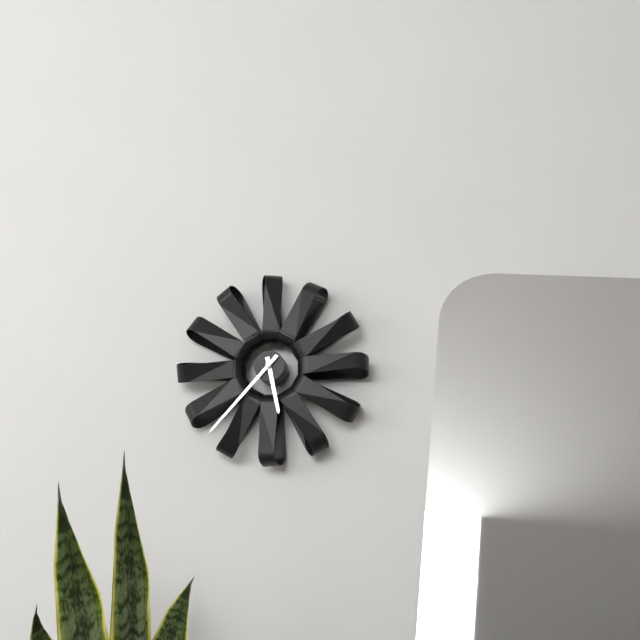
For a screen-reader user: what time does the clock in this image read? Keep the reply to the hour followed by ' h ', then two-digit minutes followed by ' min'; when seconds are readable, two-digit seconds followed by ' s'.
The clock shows 5 h 37 min
